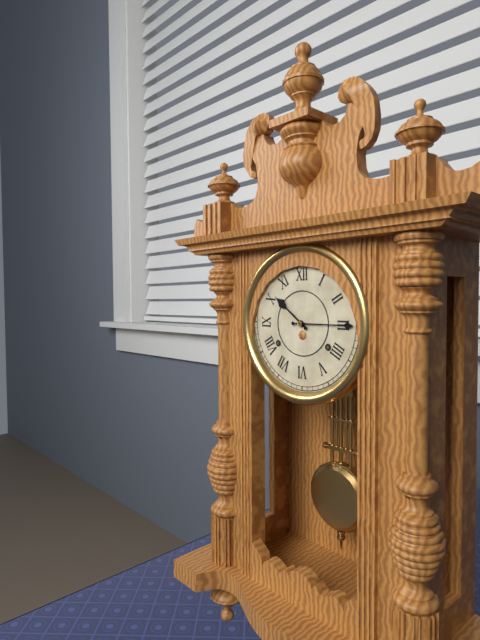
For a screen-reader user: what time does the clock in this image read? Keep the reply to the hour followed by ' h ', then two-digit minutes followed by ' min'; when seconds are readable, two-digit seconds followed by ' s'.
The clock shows 10 h 15 min
